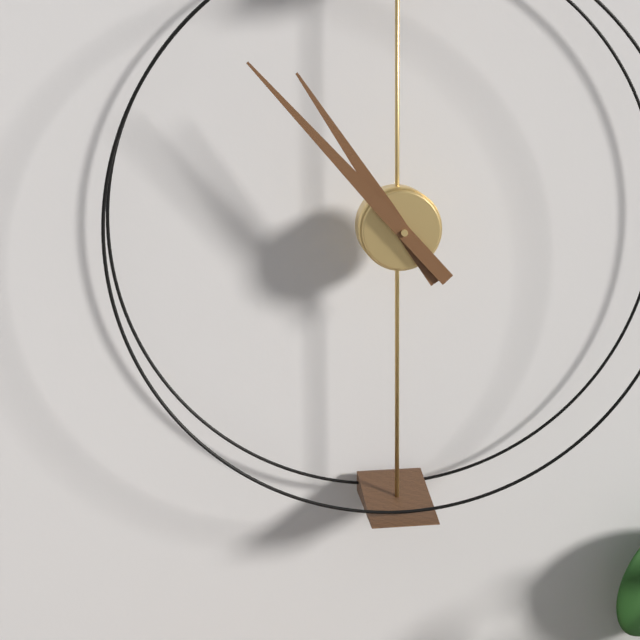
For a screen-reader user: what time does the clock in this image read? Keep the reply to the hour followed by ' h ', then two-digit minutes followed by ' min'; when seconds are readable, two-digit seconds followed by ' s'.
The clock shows 10 h 53 min
